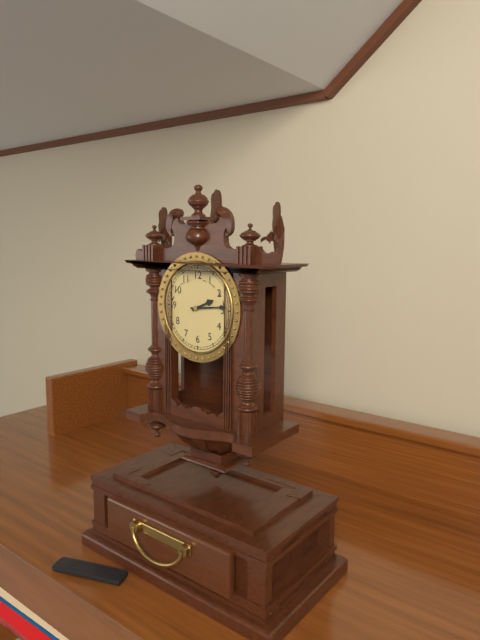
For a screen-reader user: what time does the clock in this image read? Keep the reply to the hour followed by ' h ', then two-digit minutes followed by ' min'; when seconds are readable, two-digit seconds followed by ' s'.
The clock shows 2 h 14 min
